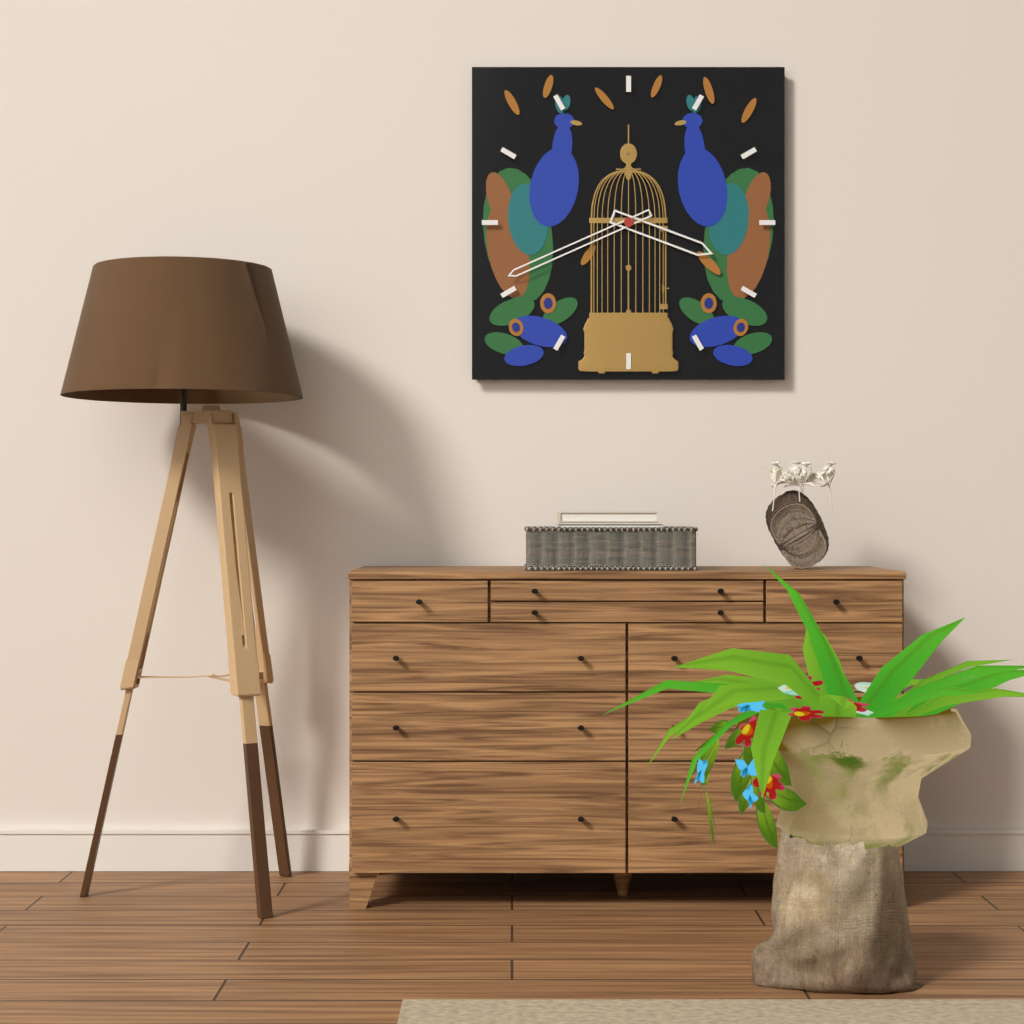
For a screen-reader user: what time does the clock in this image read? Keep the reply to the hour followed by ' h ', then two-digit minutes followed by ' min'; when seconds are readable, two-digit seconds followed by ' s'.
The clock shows 3 h 41 min
